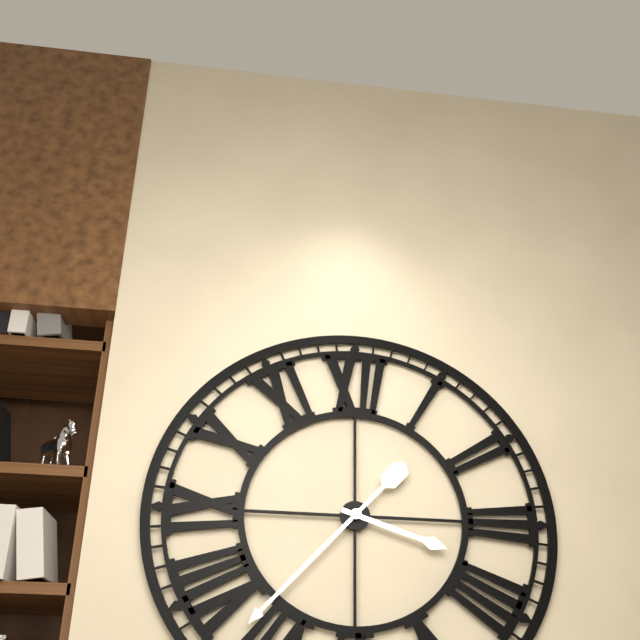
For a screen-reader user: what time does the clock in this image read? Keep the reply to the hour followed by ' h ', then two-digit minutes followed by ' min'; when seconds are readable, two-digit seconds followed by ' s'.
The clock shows 3 h 37 min
